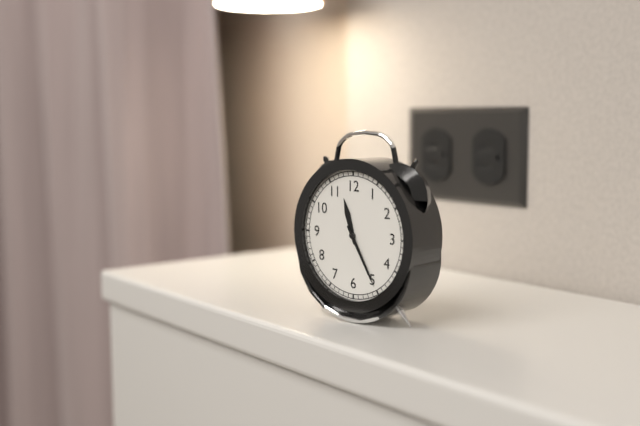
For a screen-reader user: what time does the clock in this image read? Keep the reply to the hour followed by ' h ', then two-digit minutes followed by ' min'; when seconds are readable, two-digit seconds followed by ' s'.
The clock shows 11 h 25 min
